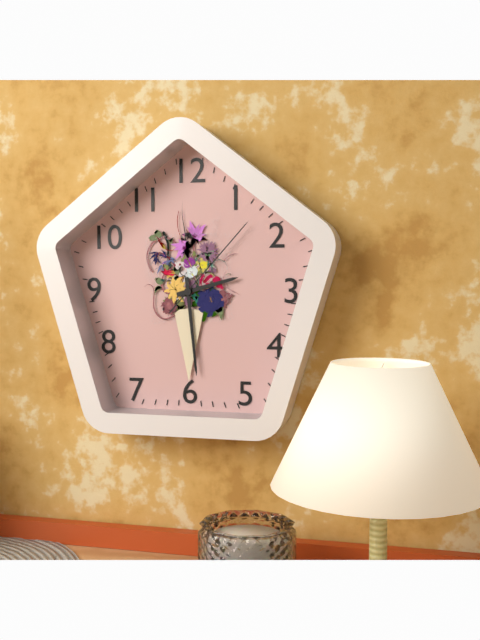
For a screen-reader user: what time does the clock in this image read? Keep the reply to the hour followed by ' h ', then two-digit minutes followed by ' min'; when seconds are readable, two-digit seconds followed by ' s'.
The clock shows 2 h 29 min 07 s
